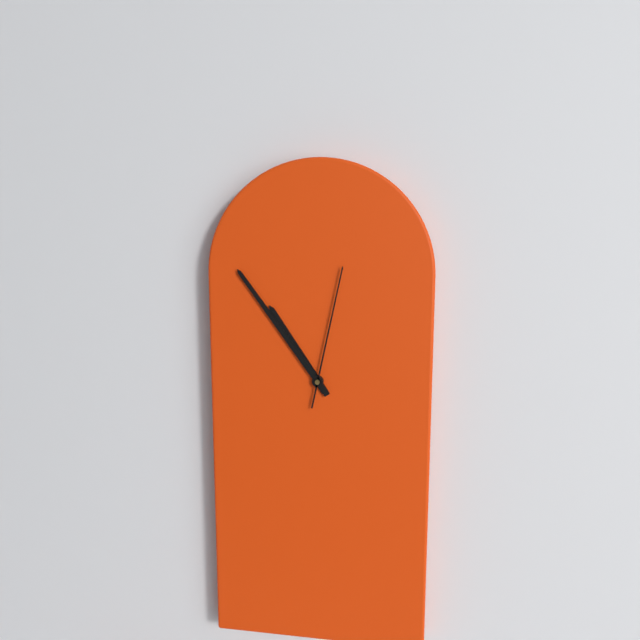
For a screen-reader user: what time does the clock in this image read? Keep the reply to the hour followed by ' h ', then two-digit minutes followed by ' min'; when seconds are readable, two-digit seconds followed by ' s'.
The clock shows 10 h 54 min 02 s
